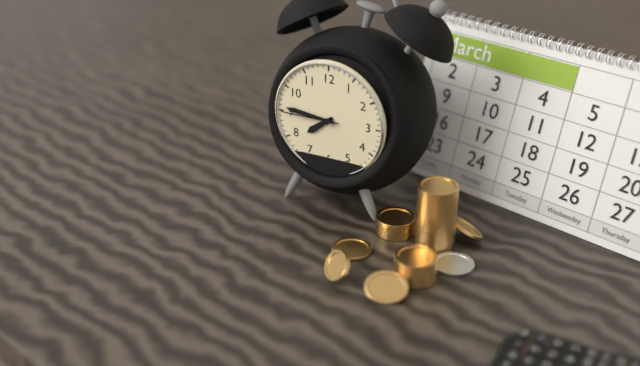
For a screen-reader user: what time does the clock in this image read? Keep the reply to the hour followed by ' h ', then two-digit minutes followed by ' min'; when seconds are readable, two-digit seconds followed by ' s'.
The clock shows 7 h 46 min 45 s
